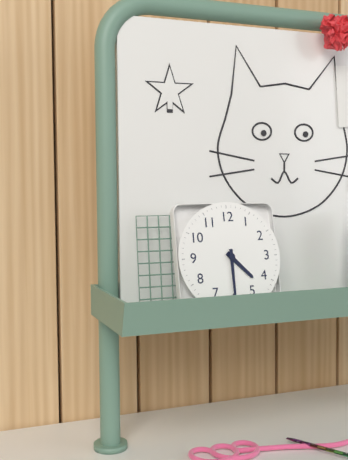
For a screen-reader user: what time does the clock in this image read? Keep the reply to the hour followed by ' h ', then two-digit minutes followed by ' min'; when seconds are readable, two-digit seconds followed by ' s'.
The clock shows 4 h 30 min
